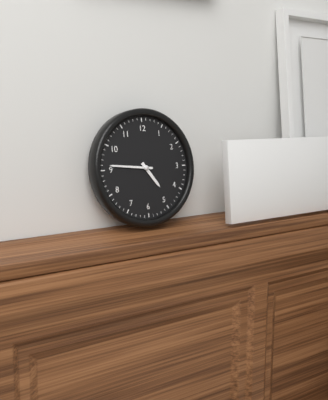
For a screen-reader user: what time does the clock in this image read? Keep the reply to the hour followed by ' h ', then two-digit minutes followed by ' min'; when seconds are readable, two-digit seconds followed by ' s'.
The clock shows 4 h 46 min
